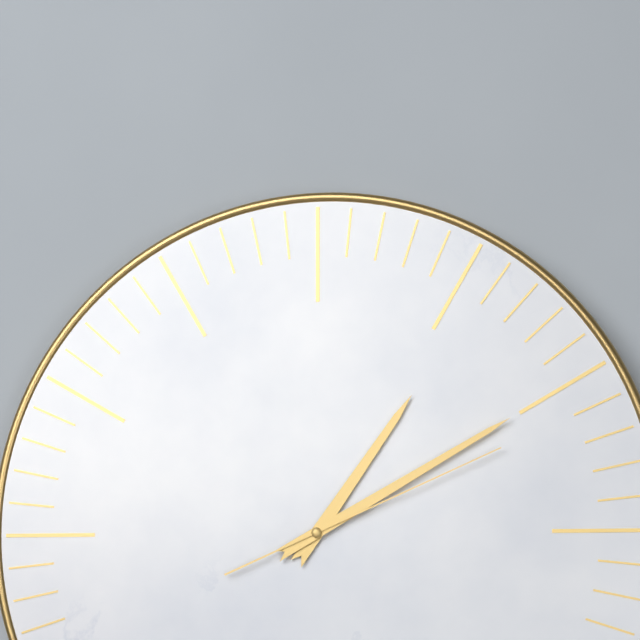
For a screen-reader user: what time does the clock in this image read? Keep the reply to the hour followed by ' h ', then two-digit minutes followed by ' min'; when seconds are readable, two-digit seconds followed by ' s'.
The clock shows 1 h 10 min 11 s
